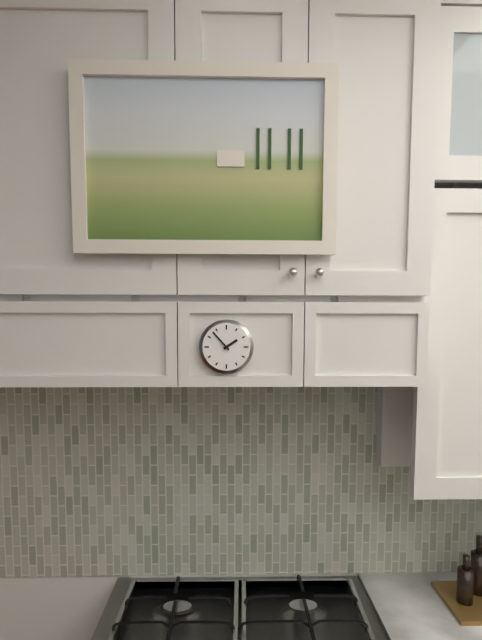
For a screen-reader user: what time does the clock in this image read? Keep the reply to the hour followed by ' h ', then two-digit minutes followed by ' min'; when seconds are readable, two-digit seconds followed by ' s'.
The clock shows 1 h 53 min
